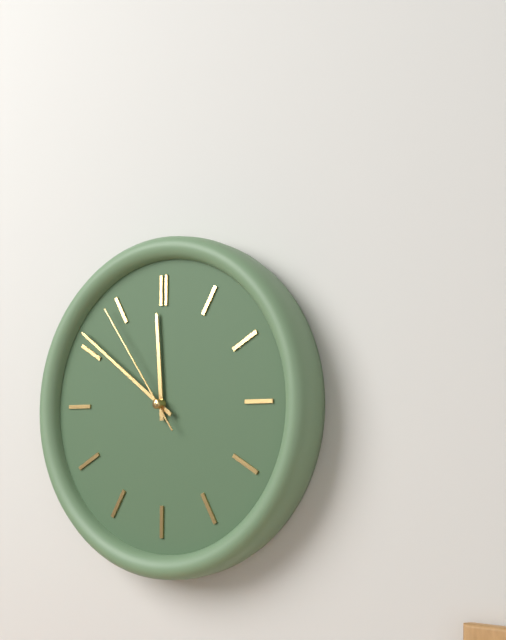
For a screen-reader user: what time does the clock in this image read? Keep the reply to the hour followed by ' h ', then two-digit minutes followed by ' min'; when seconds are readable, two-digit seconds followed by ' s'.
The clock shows 11 h 51 min 54 s
